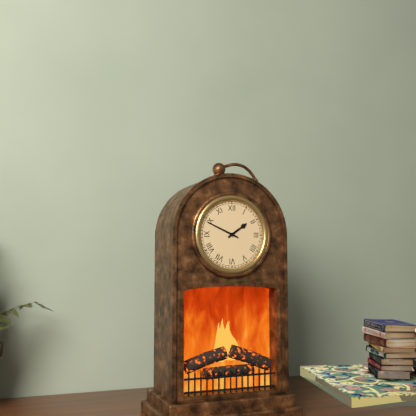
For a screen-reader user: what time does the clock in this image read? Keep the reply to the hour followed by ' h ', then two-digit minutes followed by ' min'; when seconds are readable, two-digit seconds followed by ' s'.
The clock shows 1 h 49 min
